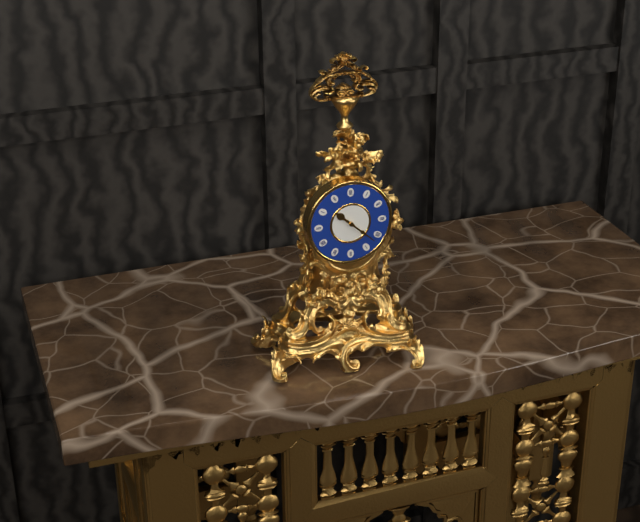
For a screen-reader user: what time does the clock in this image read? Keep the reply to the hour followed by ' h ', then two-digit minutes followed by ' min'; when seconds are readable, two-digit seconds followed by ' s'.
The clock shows 10 h 22 min
